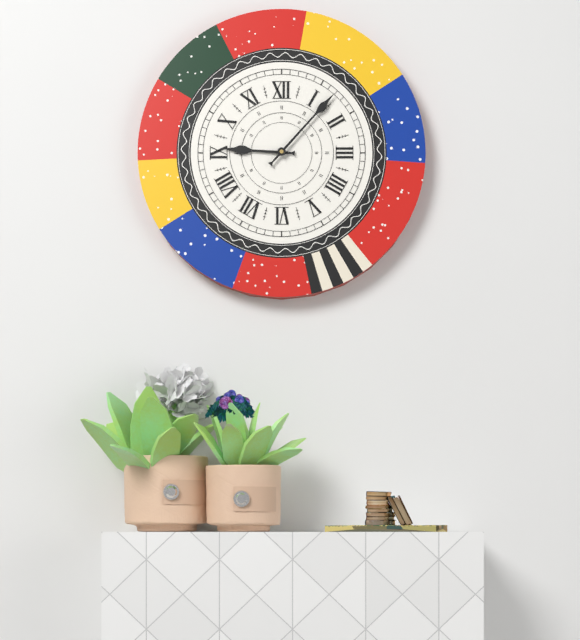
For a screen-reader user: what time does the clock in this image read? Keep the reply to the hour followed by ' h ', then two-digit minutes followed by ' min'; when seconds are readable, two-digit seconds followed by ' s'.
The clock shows 9 h 07 min
